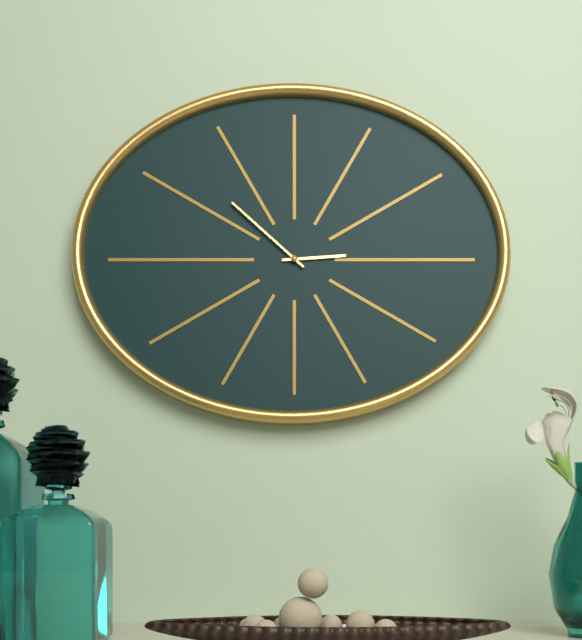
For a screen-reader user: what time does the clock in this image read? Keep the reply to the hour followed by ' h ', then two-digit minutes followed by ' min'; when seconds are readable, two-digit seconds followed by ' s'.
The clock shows 2 h 52 min
